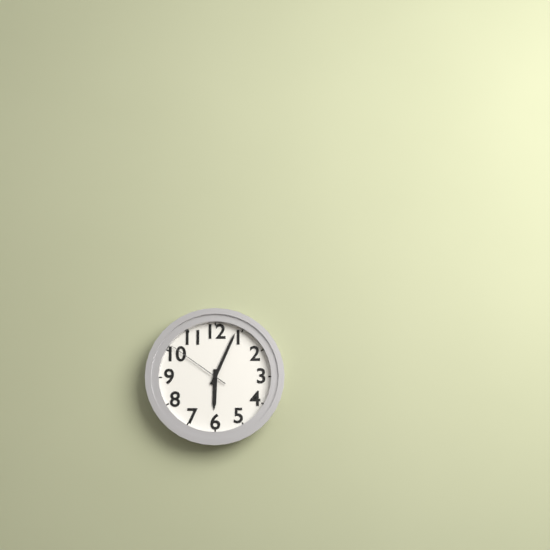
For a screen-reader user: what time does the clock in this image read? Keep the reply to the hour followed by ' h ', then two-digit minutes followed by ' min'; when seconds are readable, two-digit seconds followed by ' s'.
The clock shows 6 h 04 min 51 s
